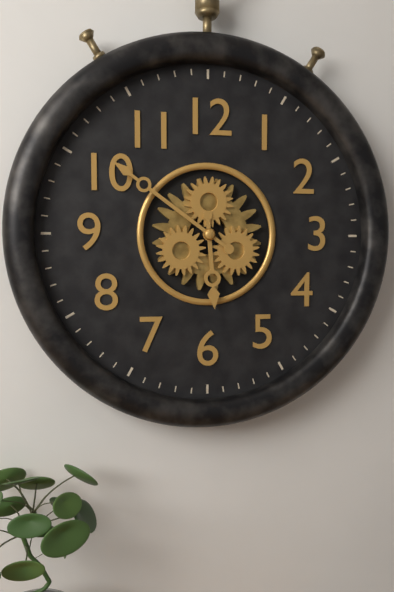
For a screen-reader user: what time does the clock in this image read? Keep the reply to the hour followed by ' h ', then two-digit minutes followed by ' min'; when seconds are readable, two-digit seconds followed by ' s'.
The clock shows 5 h 51 min
